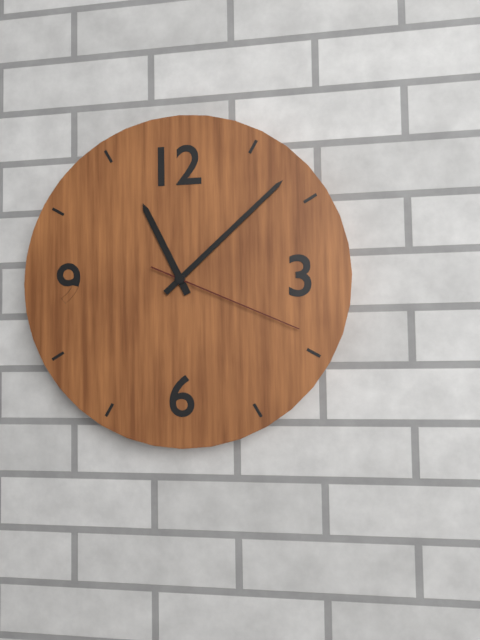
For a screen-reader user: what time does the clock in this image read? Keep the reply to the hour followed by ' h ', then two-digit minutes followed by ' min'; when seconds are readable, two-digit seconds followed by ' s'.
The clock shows 11 h 08 min 19 s
